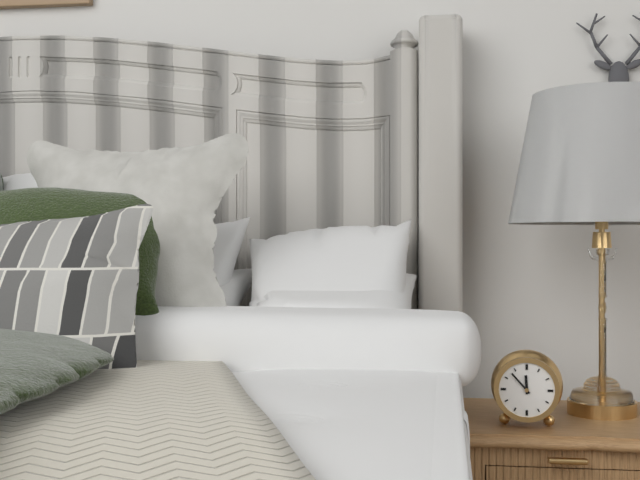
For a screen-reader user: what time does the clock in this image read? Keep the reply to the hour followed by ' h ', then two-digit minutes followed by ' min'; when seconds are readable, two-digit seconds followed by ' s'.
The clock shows 11 h 53 min
